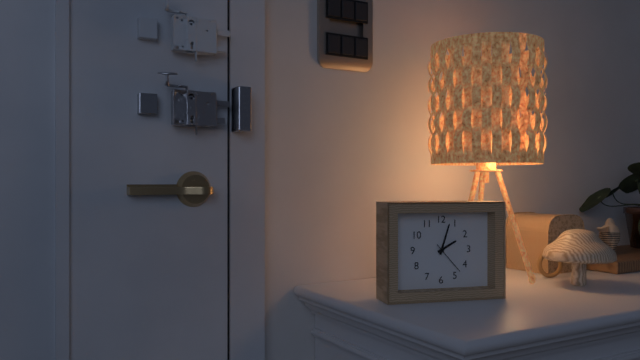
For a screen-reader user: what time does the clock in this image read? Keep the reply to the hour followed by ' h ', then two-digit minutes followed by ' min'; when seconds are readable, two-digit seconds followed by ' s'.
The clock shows 2 h 03 min
